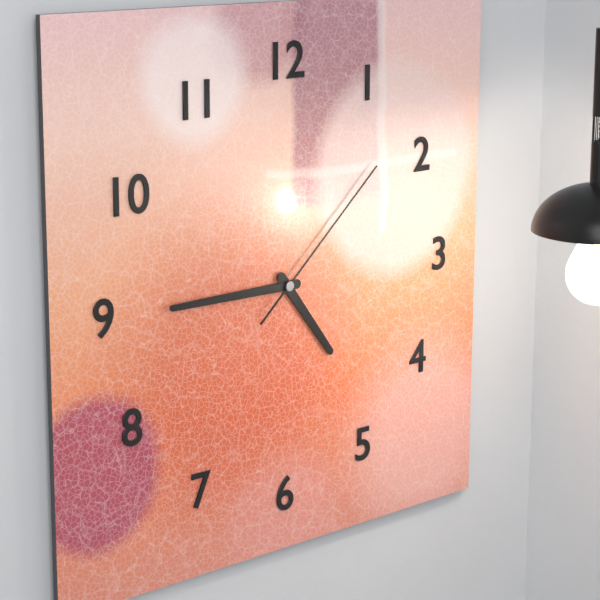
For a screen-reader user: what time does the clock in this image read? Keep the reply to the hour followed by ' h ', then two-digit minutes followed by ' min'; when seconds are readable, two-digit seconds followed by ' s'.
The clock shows 4 h 45 min 08 s
